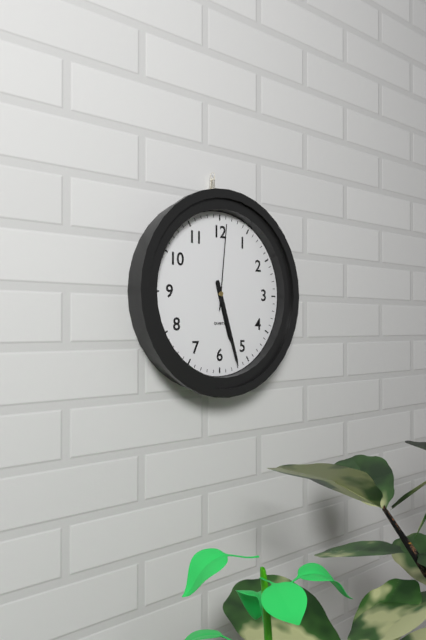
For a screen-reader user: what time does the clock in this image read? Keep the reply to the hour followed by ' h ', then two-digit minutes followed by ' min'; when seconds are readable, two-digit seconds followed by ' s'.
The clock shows 5 h 27 min 01 s
